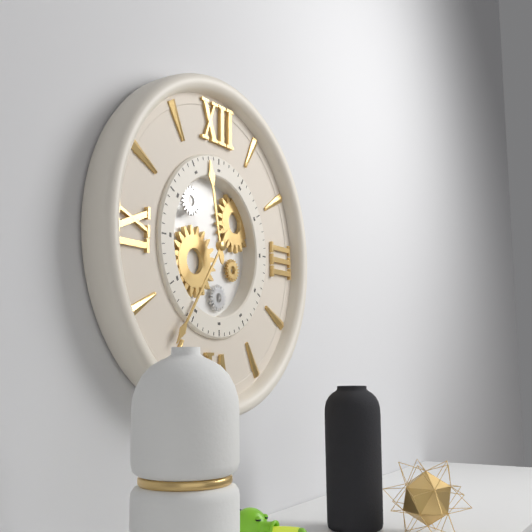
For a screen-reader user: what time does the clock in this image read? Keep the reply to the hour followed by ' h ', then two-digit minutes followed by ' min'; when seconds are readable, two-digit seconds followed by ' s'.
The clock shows 11 h 36 min
